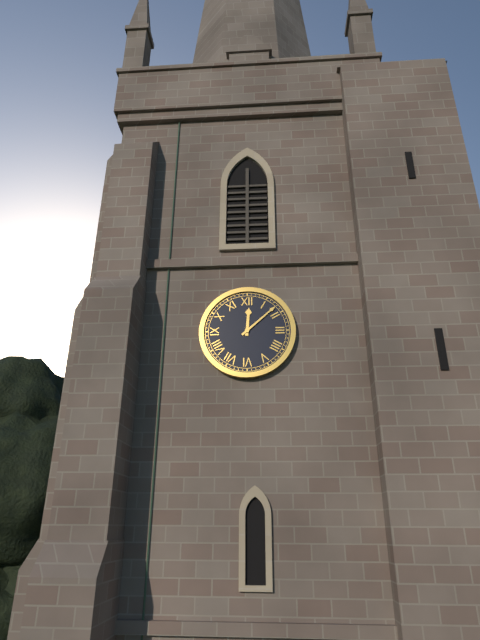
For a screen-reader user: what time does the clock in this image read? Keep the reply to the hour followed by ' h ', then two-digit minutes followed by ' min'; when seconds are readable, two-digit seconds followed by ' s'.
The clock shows 12 h 08 min
